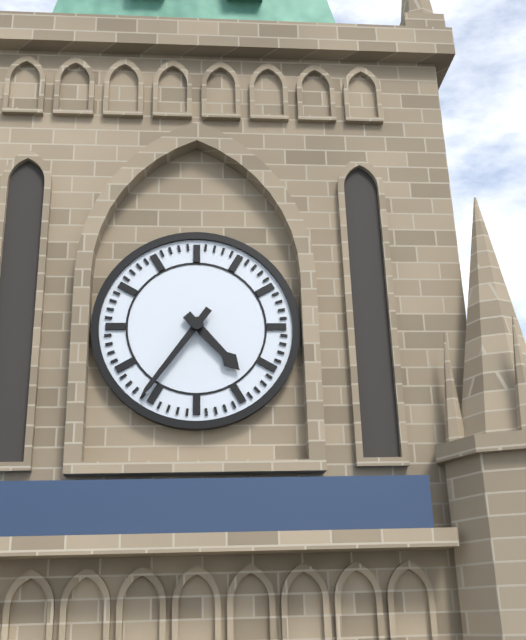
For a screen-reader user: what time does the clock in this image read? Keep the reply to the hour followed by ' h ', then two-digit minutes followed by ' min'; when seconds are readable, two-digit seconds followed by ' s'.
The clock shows 4 h 36 min
